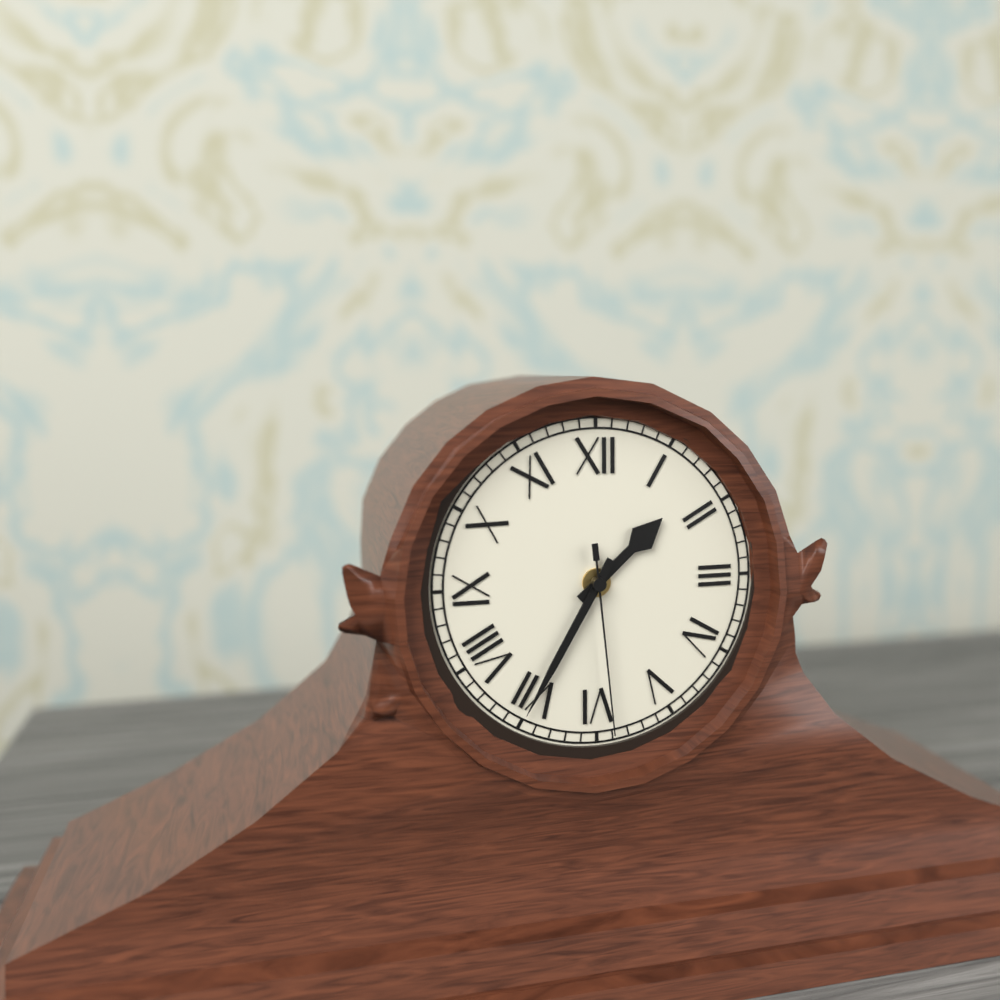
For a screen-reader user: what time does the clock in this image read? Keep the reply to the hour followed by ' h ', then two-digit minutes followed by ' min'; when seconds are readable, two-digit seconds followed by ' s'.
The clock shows 1 h 35 min 29 s
